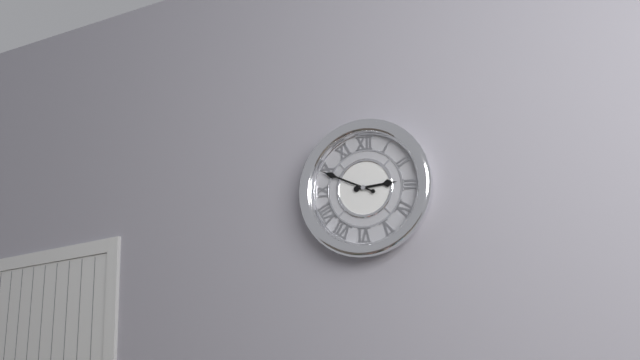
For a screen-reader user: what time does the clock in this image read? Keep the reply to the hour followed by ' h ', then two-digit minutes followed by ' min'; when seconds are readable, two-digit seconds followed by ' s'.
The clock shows 2 h 49 min
